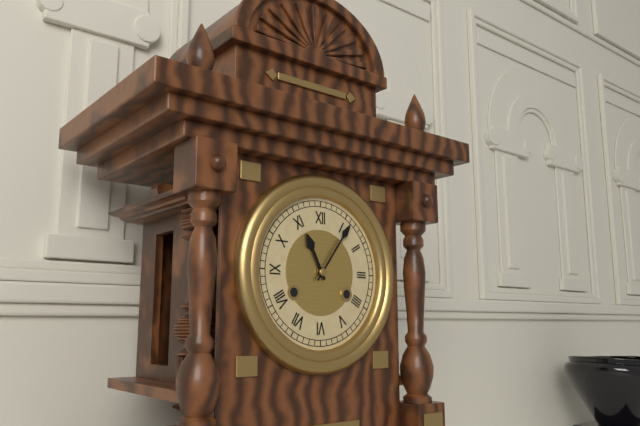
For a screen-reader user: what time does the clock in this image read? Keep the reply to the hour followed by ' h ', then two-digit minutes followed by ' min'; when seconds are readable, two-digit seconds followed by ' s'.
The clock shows 11 h 06 min
